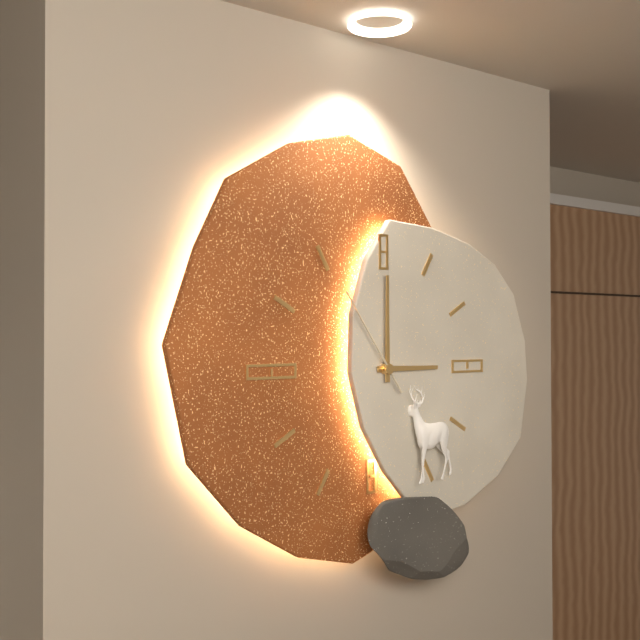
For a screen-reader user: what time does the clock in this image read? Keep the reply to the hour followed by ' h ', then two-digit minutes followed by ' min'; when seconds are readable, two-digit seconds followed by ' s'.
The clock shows 3 h 00 min 54 s
